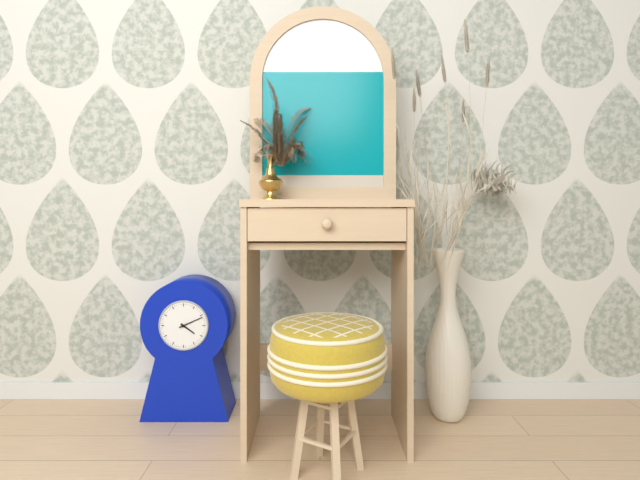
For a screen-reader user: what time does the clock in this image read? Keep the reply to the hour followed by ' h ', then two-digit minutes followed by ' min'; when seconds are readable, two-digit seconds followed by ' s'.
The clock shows 4 h 11 min
